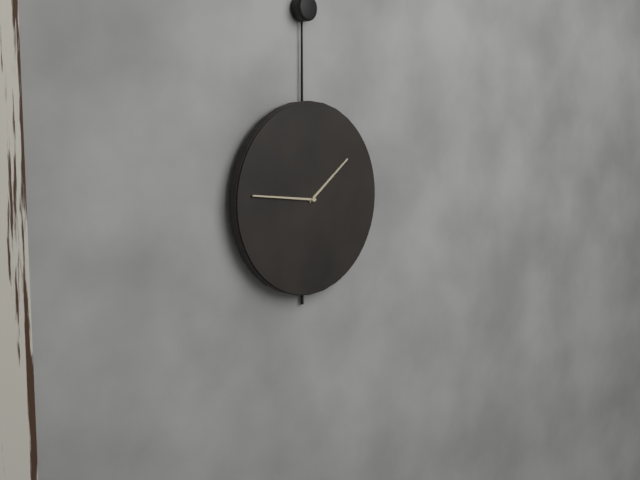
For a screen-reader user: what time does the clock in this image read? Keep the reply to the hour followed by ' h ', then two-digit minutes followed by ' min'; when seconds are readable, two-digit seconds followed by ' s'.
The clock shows 1 h 46 min
